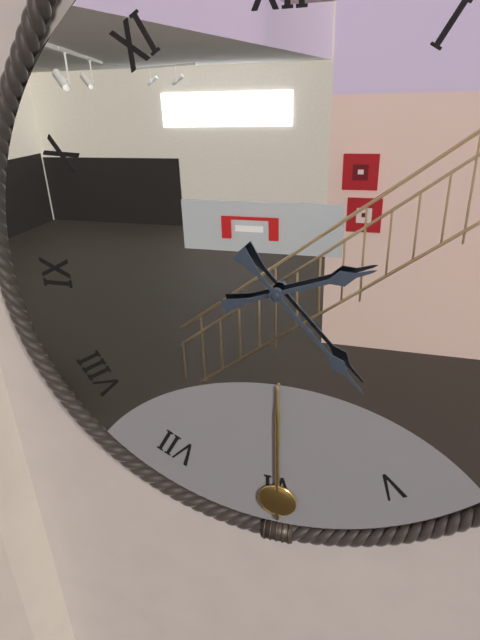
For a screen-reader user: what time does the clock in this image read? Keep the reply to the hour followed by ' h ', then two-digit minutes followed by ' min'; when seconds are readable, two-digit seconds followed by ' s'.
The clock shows 2 h 23 min
